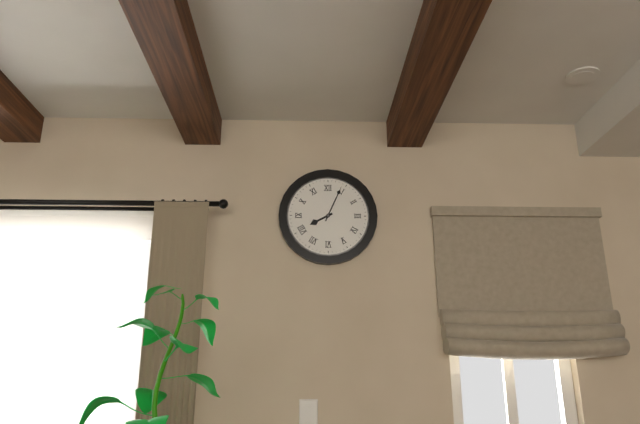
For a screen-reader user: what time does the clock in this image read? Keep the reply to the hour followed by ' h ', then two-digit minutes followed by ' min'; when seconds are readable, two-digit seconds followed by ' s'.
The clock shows 8 h 04 min
